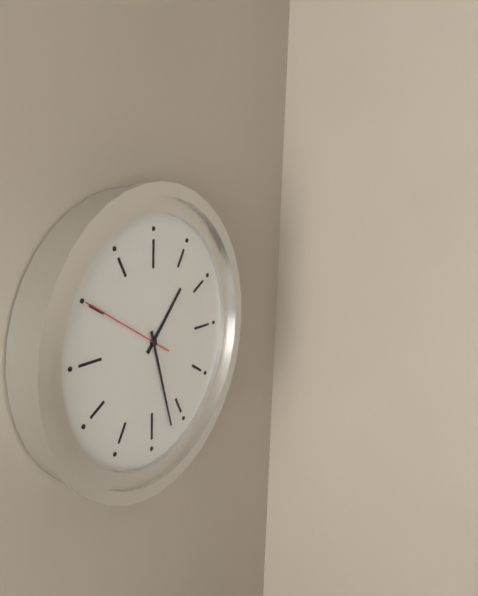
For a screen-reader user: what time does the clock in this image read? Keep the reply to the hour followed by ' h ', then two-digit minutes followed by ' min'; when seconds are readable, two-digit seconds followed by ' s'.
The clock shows 1 h 27 min 50 s
